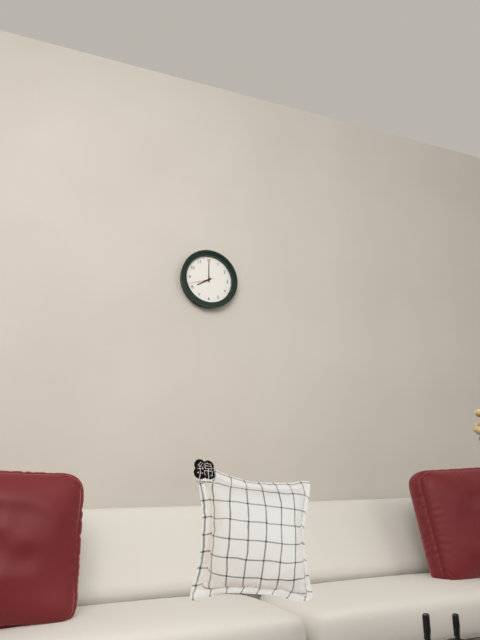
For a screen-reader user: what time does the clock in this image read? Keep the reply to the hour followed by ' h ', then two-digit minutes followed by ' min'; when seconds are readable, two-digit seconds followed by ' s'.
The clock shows 8 h 00 min
